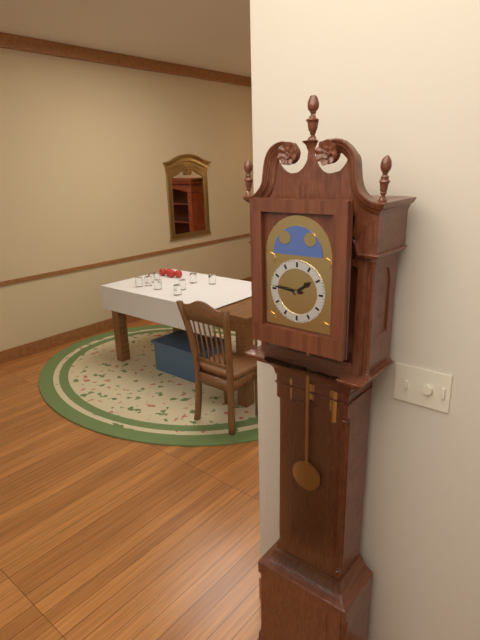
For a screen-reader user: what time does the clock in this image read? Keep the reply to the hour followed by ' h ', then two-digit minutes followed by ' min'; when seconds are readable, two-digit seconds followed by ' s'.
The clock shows 1 h 46 min
